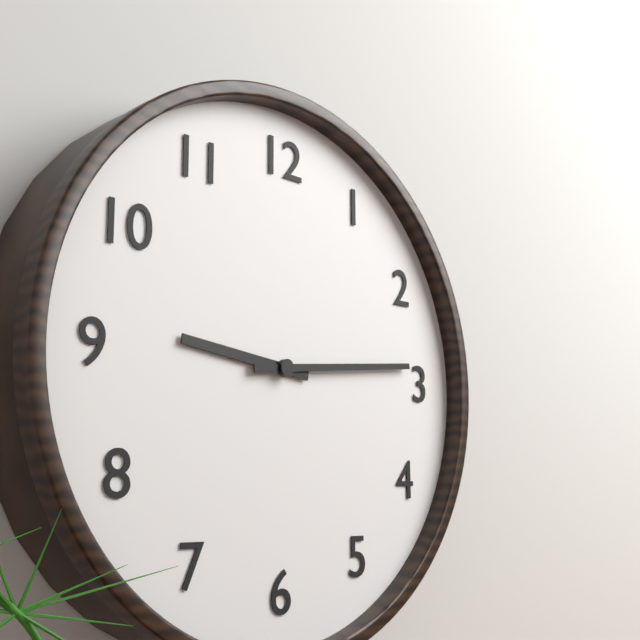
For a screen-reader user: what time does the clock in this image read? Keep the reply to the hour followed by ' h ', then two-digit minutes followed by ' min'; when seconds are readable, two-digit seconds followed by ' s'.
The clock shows 9 h 14 min
